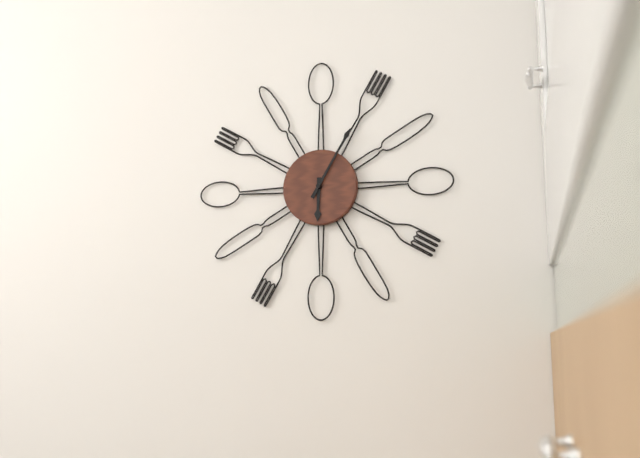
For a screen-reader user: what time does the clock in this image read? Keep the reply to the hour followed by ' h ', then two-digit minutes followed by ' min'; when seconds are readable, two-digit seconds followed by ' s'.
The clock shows 6 h 05 min
